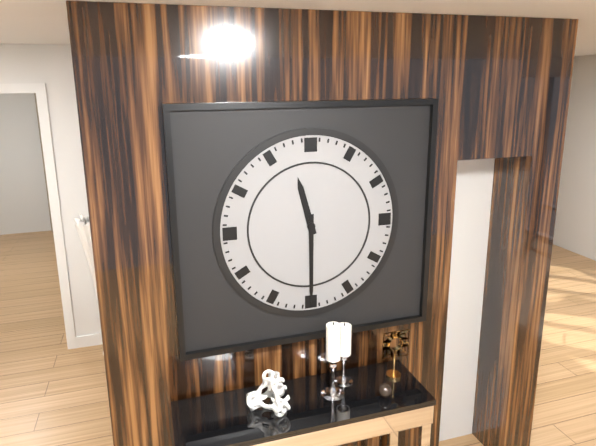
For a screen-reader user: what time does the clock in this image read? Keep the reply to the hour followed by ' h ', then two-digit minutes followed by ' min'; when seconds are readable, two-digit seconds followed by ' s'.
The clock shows 11 h 30 min
